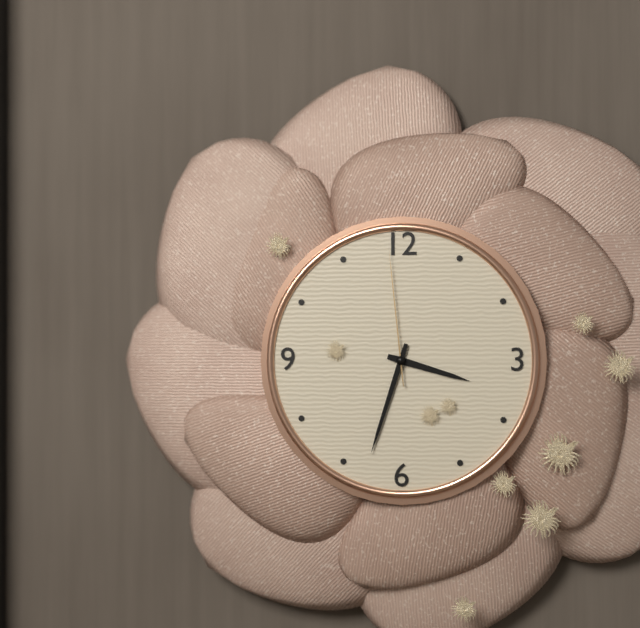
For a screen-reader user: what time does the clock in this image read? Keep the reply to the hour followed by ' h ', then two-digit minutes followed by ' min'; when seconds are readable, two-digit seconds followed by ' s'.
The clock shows 3 h 33 min 59 s
